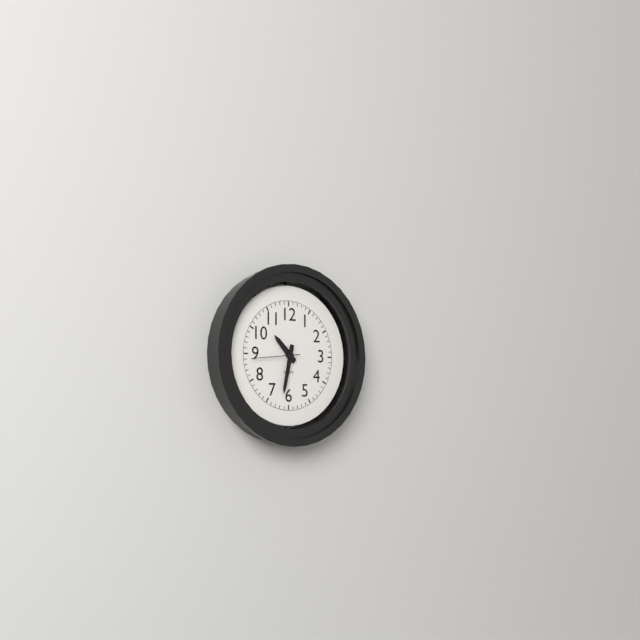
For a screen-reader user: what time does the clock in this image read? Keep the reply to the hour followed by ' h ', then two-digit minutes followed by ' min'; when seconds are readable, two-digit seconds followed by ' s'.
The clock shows 10 h 32 min
